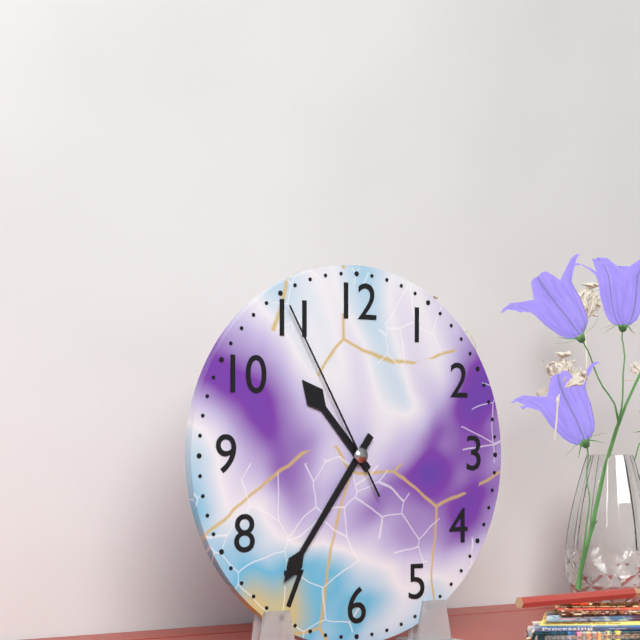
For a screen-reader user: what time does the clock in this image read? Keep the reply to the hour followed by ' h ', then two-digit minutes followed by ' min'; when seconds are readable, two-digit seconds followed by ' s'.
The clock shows 10 h 36 min 55 s
